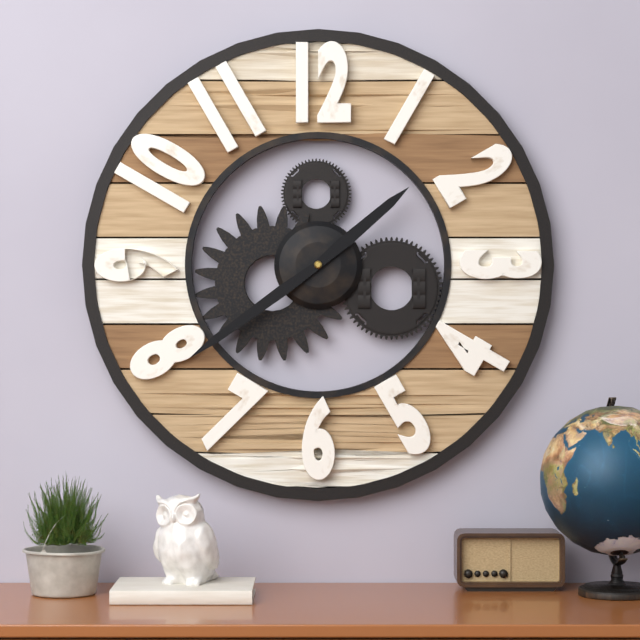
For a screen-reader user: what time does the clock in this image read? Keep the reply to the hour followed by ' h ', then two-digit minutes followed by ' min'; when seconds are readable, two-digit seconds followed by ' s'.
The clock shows 1 h 39 min
